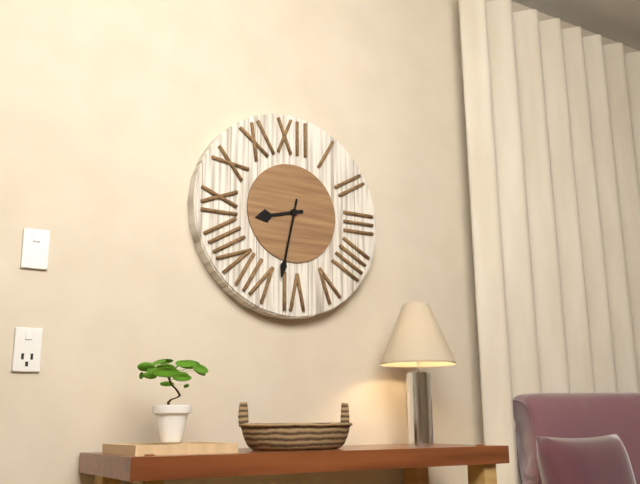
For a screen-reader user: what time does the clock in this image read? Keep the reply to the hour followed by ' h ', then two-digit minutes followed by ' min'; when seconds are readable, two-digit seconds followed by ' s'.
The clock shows 8 h 32 min
